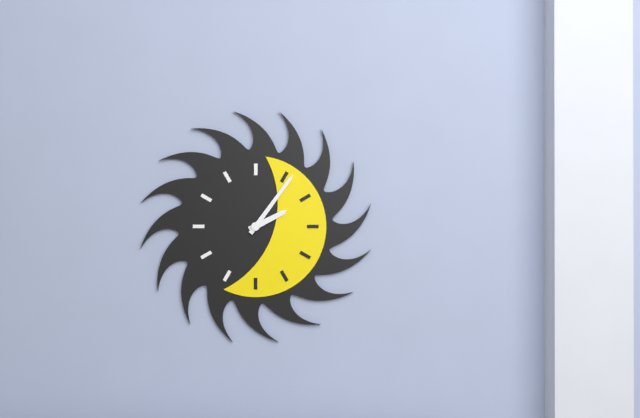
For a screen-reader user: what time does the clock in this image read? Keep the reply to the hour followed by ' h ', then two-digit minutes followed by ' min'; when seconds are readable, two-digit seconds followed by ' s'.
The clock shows 2 h 06 min
